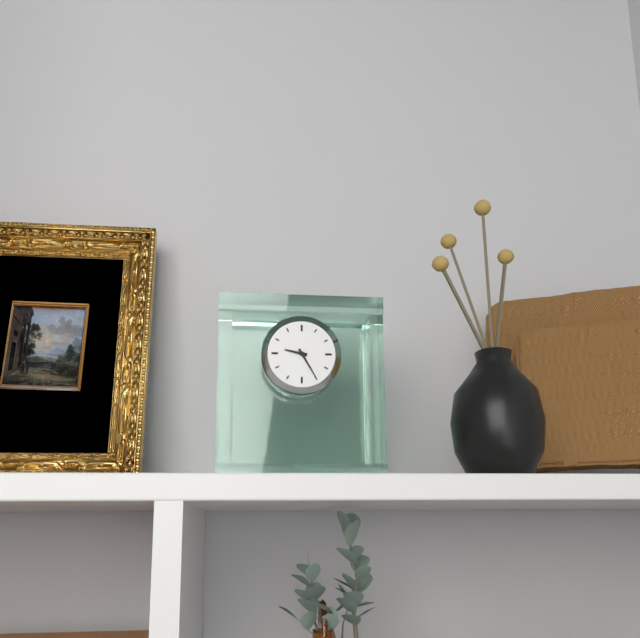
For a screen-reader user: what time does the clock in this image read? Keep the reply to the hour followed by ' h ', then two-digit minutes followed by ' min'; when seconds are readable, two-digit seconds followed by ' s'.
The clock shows 9 h 25 min
